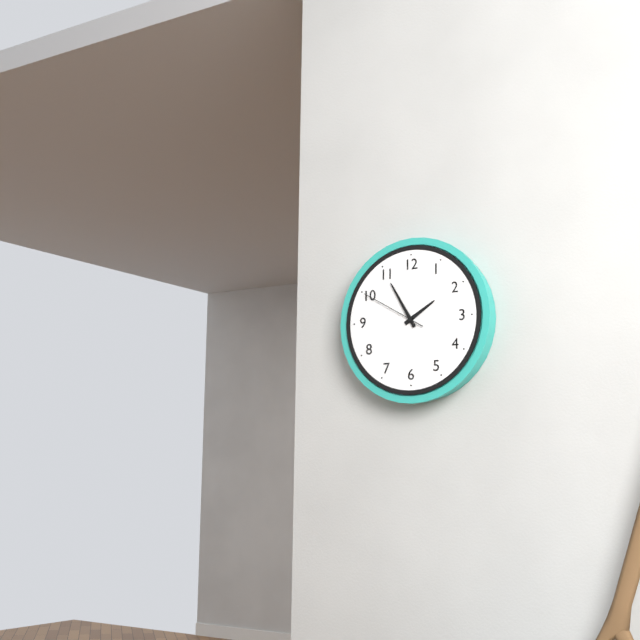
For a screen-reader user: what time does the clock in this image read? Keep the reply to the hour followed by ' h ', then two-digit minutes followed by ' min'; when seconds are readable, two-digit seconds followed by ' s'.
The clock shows 1 h 55 min 50 s
